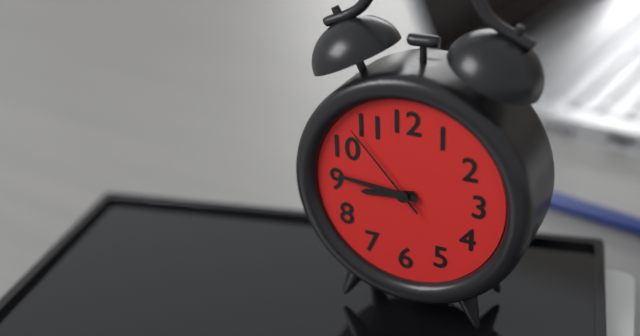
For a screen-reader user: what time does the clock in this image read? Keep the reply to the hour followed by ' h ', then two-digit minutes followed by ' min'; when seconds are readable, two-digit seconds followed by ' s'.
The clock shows 8 h 46 min 53 s
